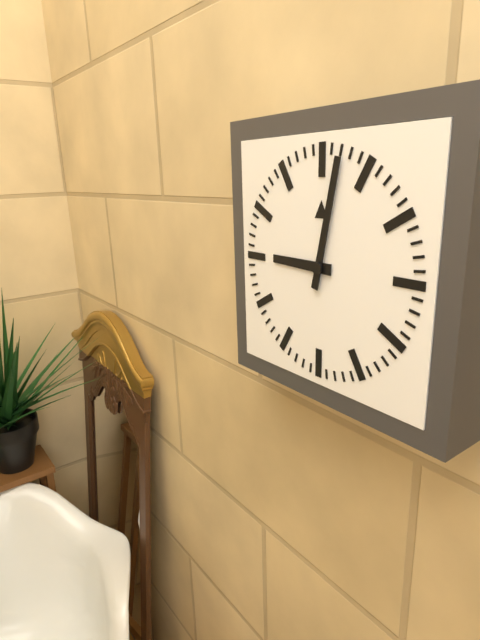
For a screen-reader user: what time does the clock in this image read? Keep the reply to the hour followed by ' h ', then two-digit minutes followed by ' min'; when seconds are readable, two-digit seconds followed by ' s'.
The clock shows 9 h 02 min
